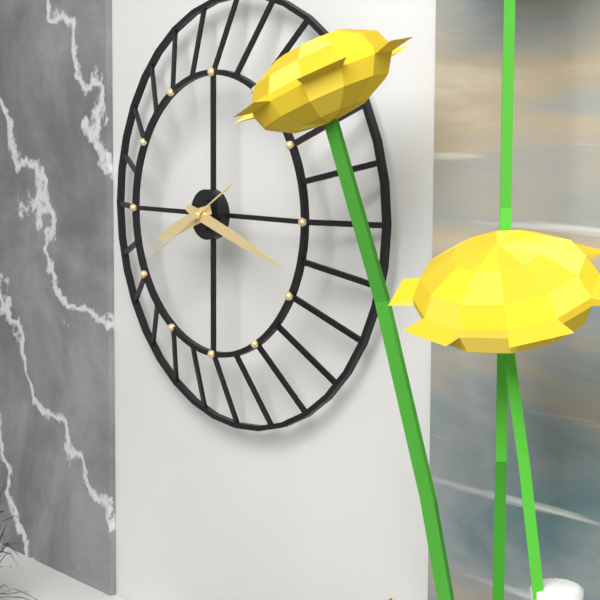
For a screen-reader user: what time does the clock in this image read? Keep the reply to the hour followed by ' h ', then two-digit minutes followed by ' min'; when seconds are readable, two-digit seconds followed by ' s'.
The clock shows 8 h 18 min 40 s
